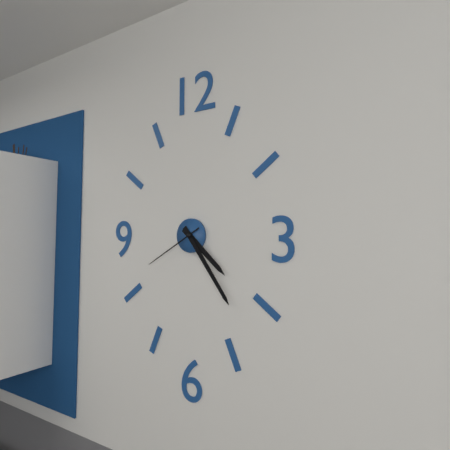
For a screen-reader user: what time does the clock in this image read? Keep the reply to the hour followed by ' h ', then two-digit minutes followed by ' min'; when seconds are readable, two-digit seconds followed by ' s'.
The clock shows 4 h 24 min 40 s
